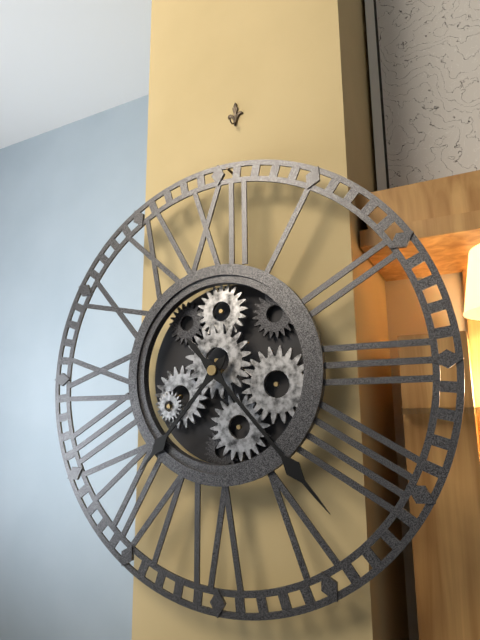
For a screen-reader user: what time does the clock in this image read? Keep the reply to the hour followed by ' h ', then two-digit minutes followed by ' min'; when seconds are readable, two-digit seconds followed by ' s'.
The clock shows 7 h 23 min
